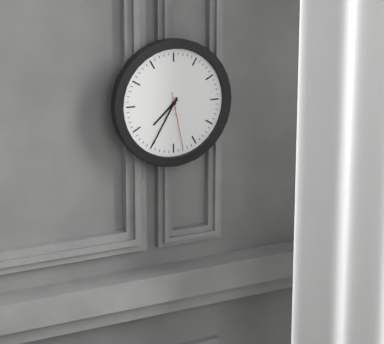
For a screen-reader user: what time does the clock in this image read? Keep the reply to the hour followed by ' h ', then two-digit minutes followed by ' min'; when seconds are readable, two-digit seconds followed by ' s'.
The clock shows 7 h 35 min 28 s
